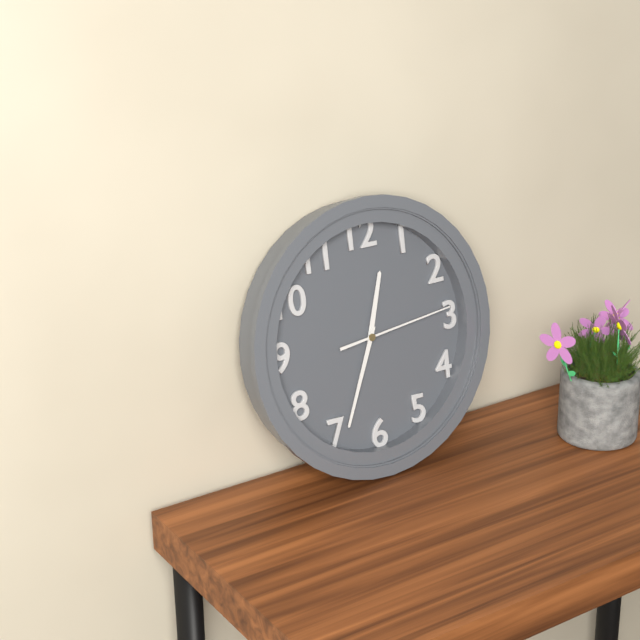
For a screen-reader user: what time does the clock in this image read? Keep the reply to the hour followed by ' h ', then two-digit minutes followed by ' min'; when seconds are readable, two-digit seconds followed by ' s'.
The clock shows 12 h 34 min 14 s
